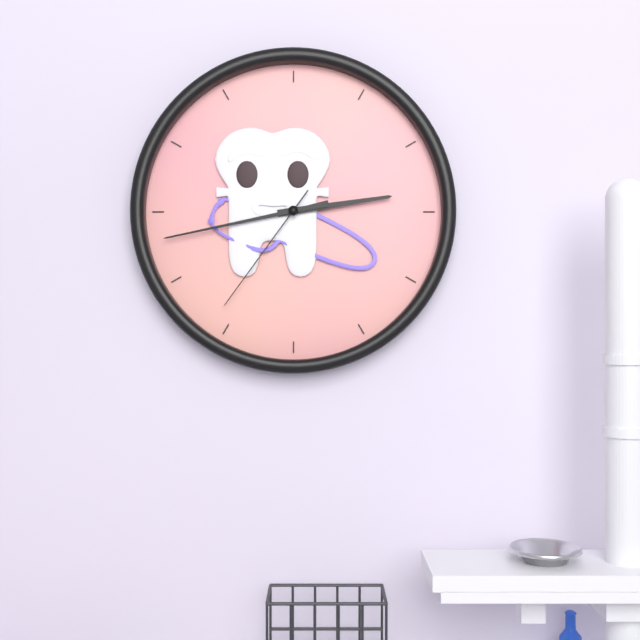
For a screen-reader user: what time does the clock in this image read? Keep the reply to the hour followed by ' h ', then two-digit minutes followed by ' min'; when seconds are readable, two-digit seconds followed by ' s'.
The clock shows 2 h 43 min 36 s
